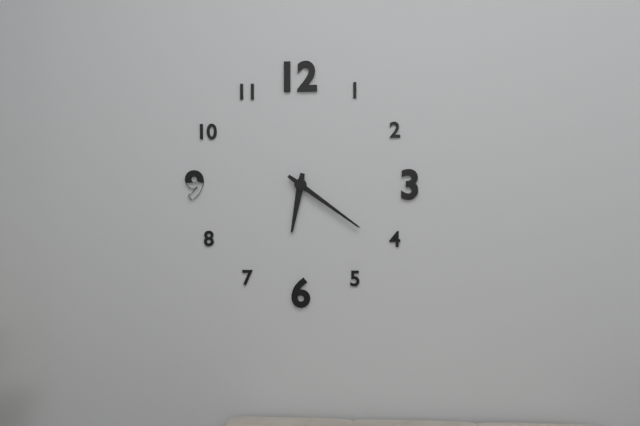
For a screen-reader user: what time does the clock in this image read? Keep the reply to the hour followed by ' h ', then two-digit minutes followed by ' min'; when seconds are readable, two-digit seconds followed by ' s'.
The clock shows 6 h 21 min
